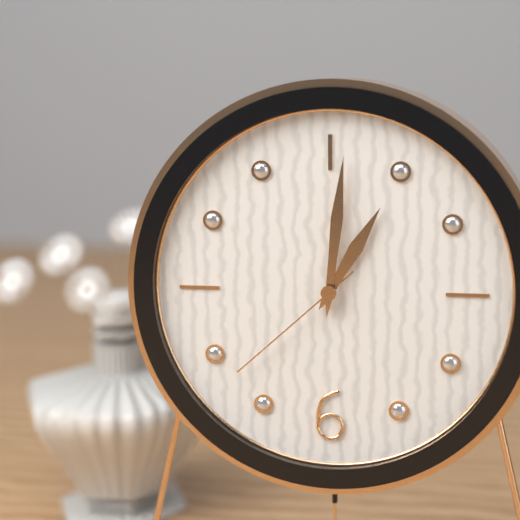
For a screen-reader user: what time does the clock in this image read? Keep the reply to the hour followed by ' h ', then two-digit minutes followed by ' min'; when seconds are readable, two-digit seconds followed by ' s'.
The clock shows 1 h 01 min 38 s
